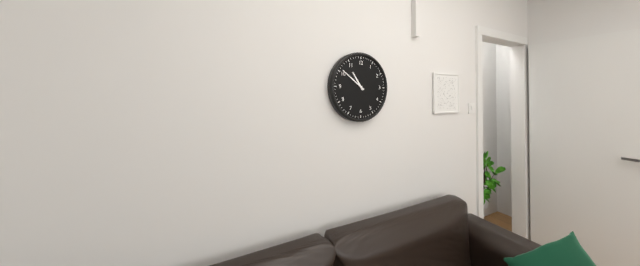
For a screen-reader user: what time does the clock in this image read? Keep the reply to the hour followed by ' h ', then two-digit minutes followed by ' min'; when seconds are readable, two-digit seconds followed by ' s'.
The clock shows 10 h 51 min
